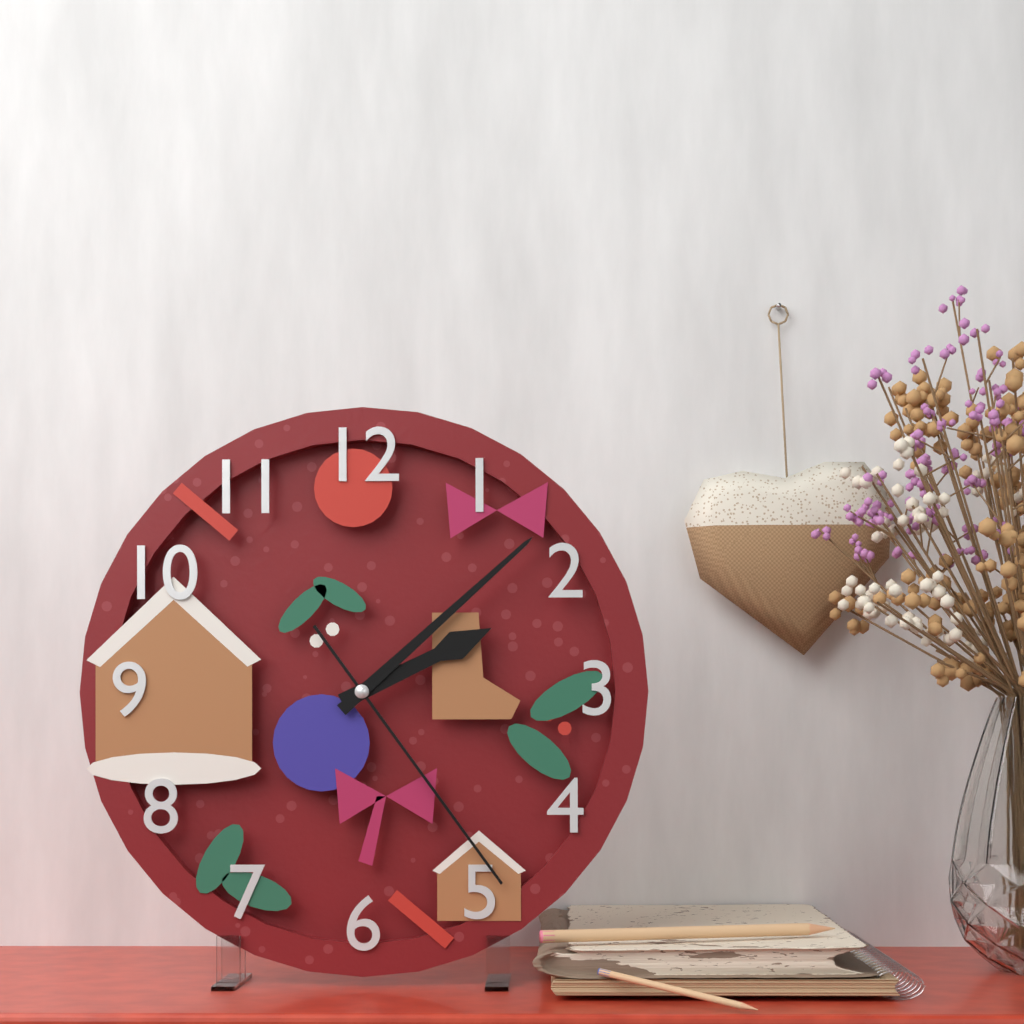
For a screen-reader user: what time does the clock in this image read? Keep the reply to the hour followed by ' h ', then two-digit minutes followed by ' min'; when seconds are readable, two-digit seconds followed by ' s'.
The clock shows 2 h 08 min 24 s
